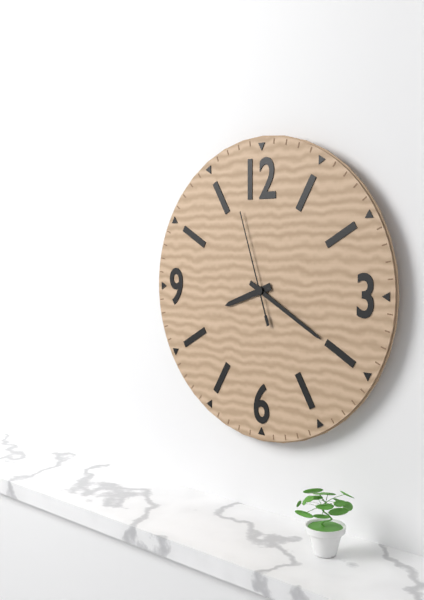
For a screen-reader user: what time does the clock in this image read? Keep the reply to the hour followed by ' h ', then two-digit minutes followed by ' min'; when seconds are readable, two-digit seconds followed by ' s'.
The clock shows 8 h 20 min 57 s
